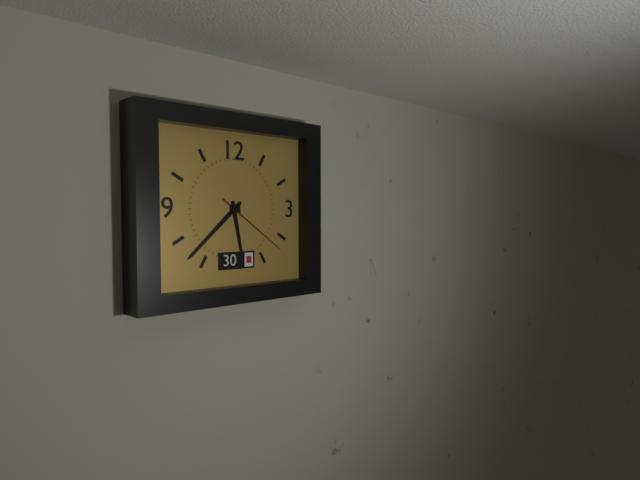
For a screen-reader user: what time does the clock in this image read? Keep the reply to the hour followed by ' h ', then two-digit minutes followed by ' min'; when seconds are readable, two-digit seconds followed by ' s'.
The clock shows 5 h 38 min 21 s
